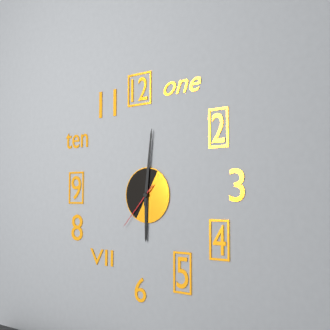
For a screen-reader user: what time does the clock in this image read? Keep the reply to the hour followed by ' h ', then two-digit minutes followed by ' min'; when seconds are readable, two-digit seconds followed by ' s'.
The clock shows 6 h 01 min
